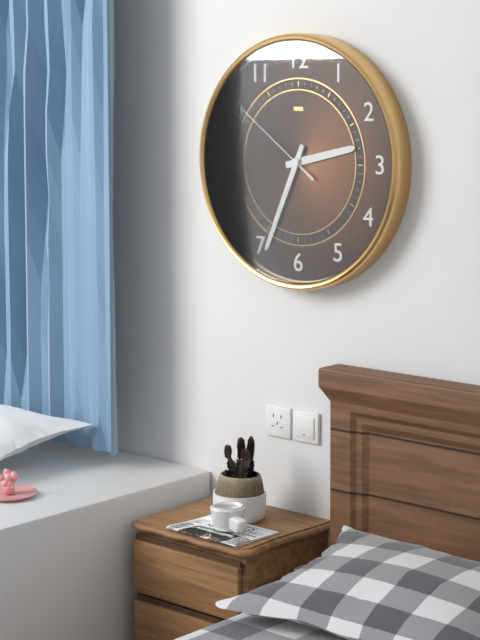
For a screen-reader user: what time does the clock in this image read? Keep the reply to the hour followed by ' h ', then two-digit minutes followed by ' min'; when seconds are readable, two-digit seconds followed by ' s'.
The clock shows 2 h 34 min 51 s
